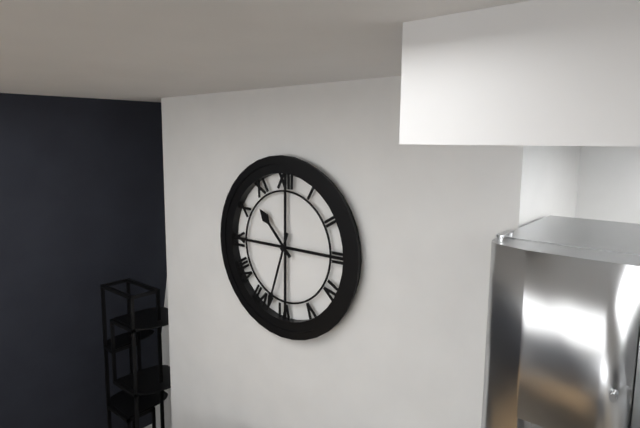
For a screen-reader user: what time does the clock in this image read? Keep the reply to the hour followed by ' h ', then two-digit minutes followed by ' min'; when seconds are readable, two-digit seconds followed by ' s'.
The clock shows 10 h 33 min
